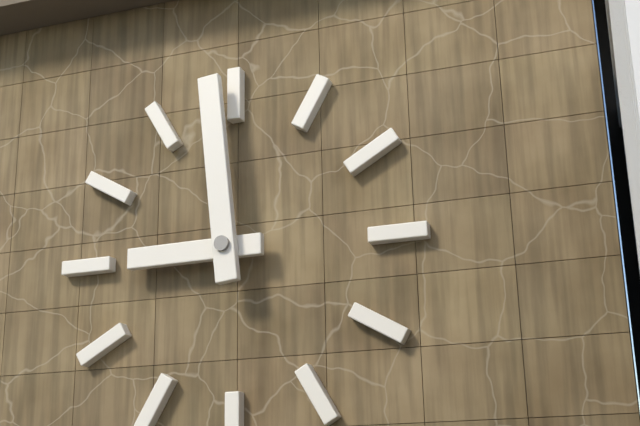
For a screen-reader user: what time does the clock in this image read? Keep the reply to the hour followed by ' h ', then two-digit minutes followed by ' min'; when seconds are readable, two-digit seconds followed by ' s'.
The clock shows 8 h 59 min
